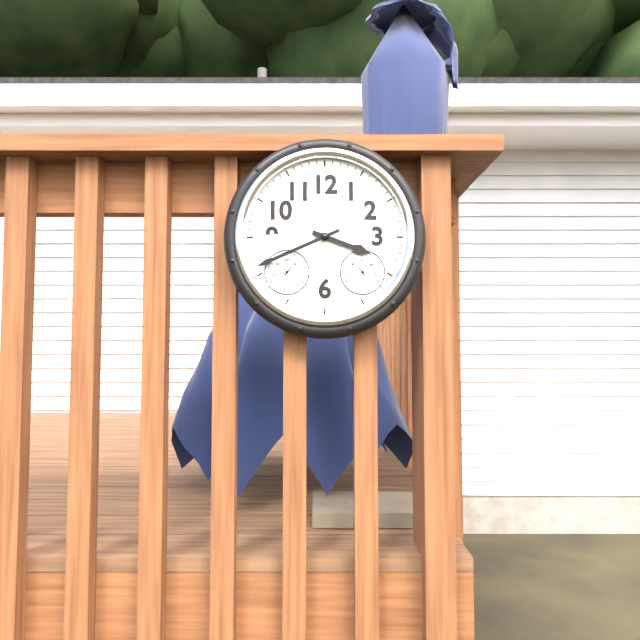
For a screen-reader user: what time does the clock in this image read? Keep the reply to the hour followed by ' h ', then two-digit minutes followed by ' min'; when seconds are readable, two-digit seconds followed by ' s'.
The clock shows 3 h 41 min
